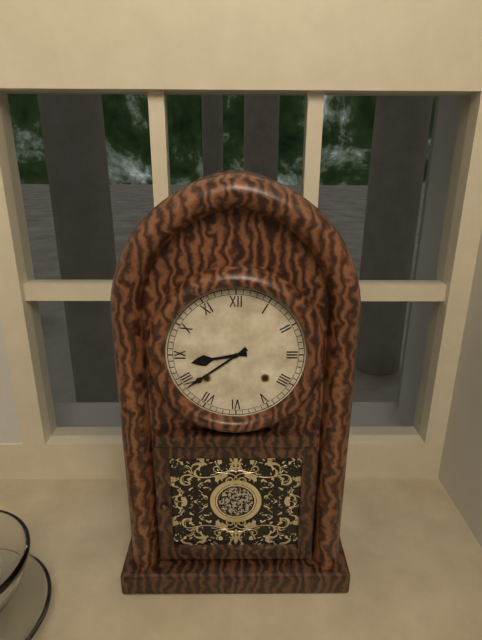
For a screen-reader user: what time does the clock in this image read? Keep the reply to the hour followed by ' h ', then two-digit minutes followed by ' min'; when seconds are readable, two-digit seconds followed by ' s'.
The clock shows 8 h 39 min
